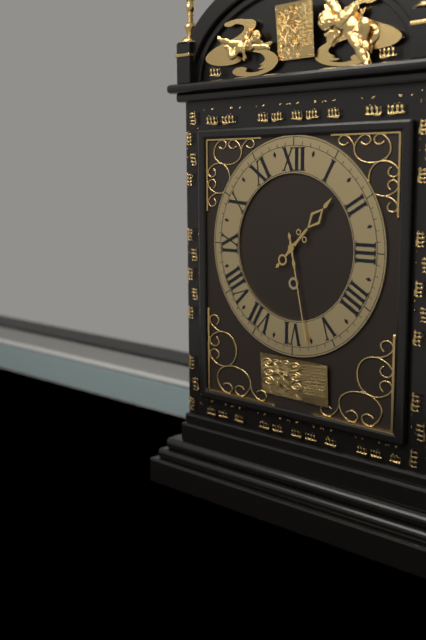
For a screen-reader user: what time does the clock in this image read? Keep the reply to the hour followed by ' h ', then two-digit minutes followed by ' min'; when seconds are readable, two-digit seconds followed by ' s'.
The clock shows 1 h 28 min
